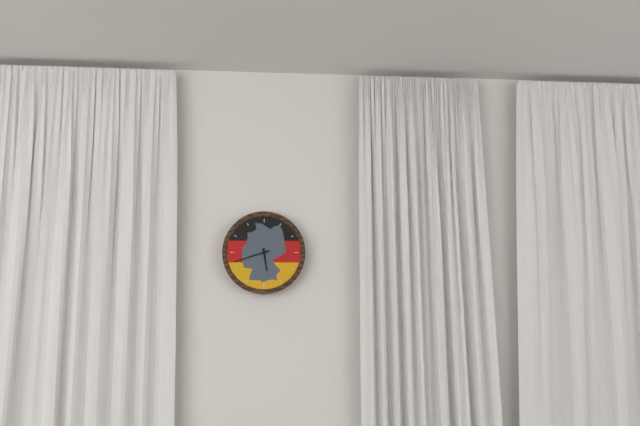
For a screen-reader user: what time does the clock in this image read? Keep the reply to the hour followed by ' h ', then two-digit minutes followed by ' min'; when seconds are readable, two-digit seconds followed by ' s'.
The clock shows 5 h 42 min
